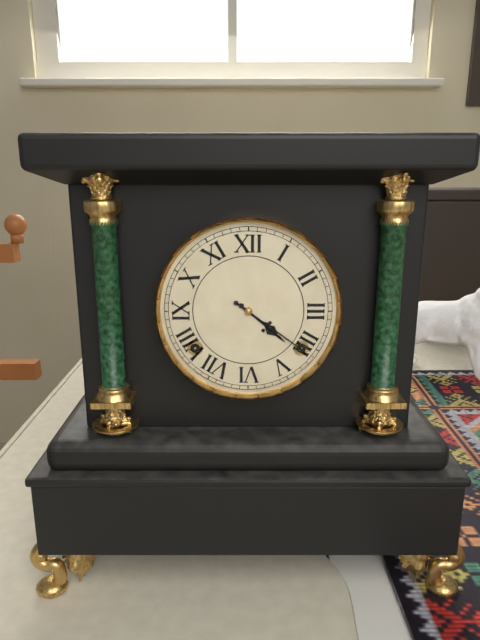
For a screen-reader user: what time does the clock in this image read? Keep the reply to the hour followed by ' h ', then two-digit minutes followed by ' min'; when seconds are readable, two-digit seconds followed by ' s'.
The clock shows 4 h 21 min
